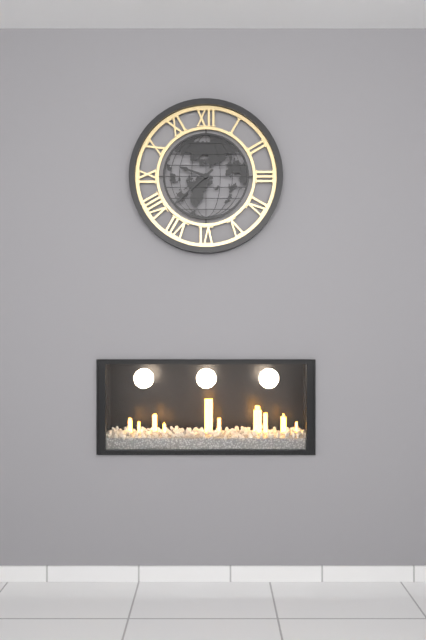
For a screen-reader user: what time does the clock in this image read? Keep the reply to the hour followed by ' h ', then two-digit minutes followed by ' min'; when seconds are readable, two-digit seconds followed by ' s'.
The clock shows 9 h 38 min
